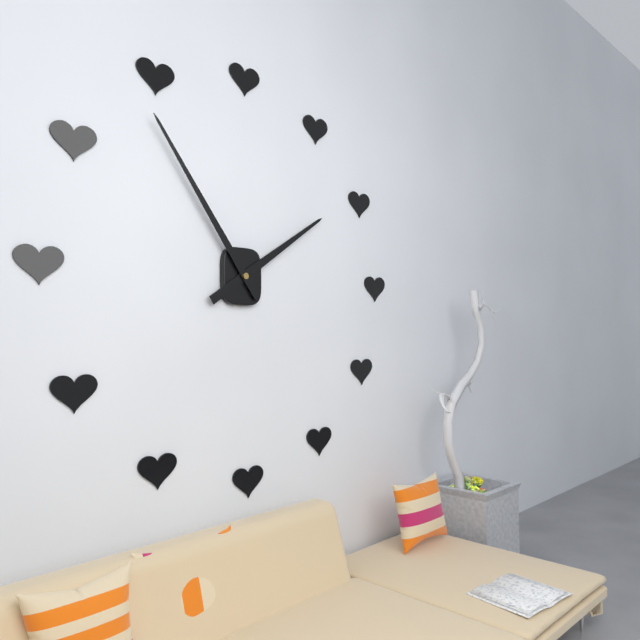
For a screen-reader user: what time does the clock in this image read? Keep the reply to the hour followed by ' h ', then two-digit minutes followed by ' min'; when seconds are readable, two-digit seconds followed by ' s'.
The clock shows 1 h 54 min
